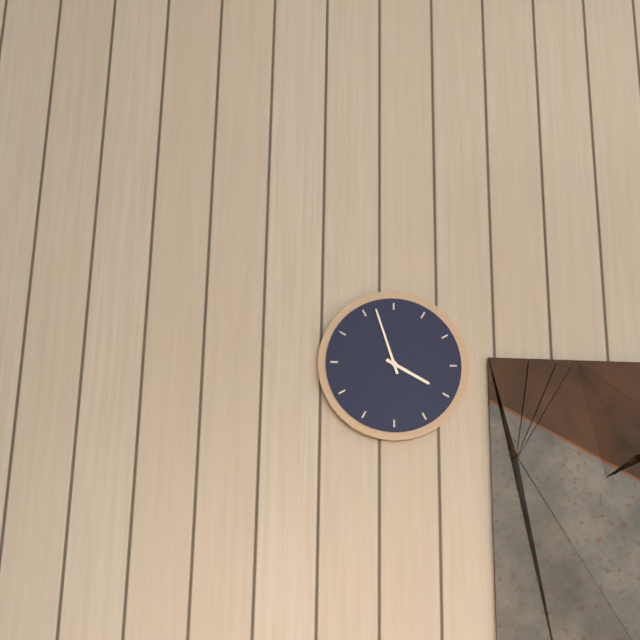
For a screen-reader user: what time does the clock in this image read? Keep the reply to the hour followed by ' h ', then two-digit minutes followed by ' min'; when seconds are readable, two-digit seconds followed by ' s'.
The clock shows 3 h 57 min
